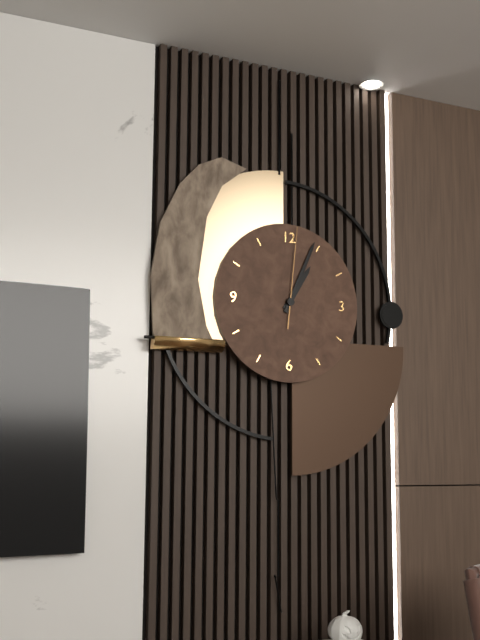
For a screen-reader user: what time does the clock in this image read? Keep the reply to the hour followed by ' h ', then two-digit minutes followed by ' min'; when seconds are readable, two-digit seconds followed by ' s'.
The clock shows 1 h 04 min 01 s
